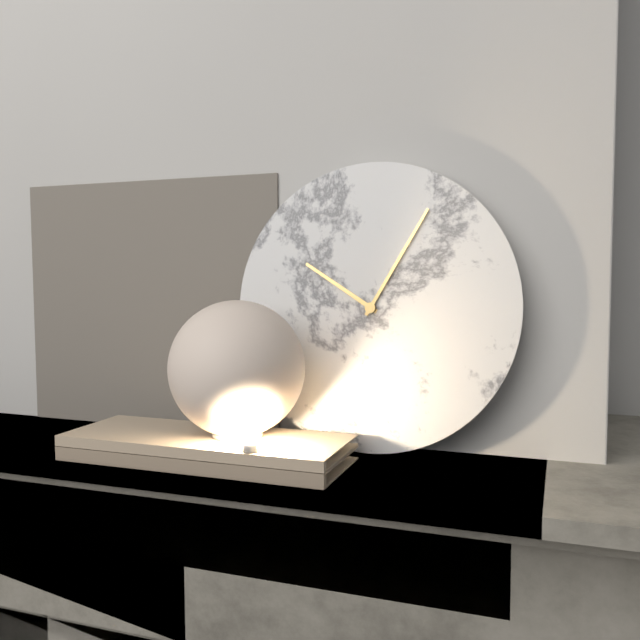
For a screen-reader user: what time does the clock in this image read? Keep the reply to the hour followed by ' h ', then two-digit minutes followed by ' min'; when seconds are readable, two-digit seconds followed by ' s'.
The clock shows 10 h 05 min
